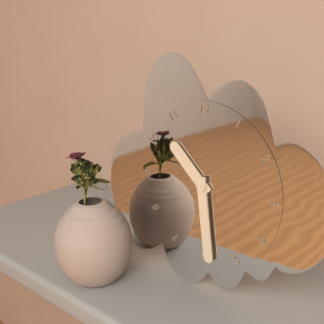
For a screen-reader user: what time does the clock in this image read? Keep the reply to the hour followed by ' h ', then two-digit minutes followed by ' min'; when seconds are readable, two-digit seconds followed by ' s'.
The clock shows 10 h 29 min
